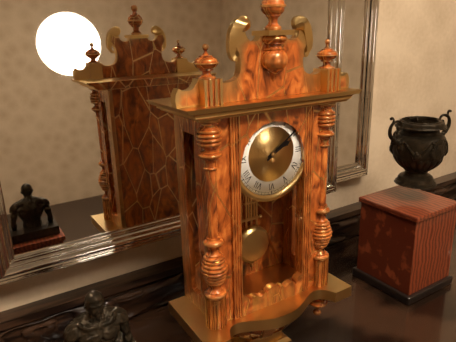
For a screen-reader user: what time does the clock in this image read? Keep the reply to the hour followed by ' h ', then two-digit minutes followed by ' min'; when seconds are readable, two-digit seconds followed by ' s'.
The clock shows 2 h 09 min
